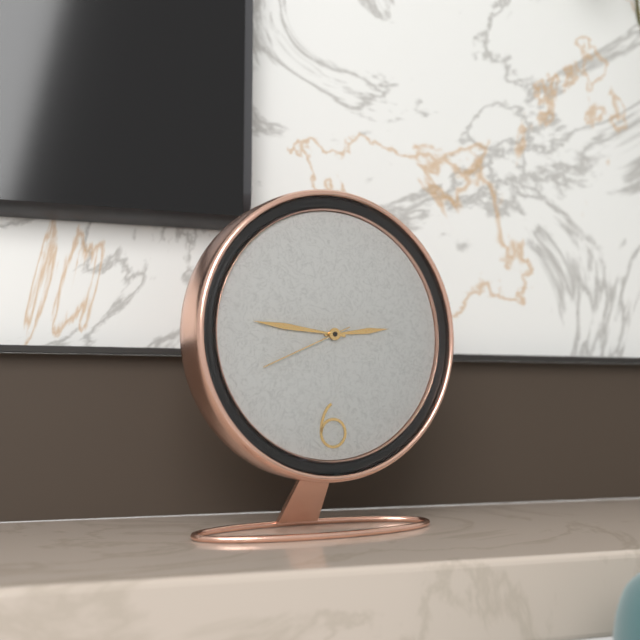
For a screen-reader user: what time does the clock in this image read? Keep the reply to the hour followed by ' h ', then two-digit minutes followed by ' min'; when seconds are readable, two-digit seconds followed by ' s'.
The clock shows 2 h 46 min 41 s
